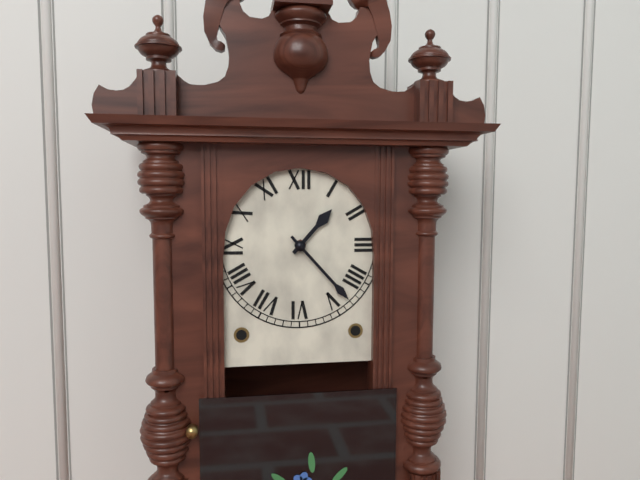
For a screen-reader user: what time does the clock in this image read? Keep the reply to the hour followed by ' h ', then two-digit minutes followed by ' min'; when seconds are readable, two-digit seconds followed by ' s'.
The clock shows 1 h 23 min
